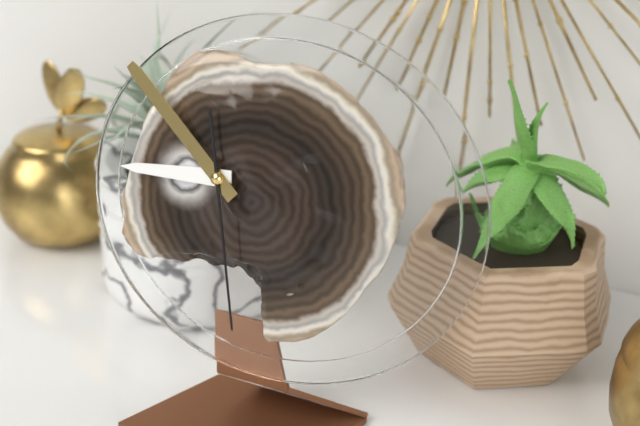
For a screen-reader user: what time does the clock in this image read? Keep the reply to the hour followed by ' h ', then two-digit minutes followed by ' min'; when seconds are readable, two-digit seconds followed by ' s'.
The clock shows 8 h 52 min 28 s
